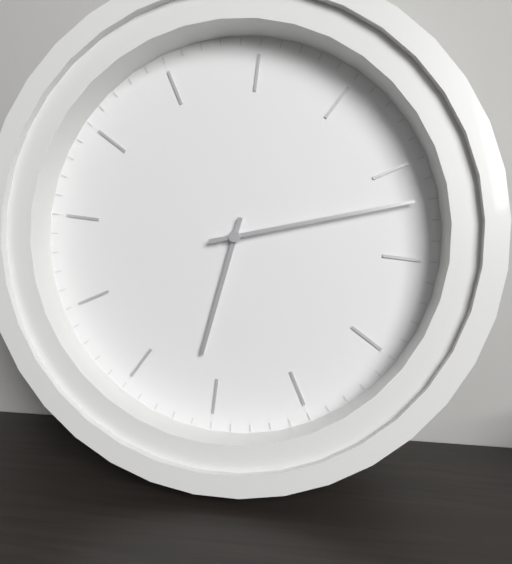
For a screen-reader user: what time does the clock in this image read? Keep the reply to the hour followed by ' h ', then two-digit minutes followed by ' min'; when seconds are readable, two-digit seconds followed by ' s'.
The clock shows 7 h 17 min
